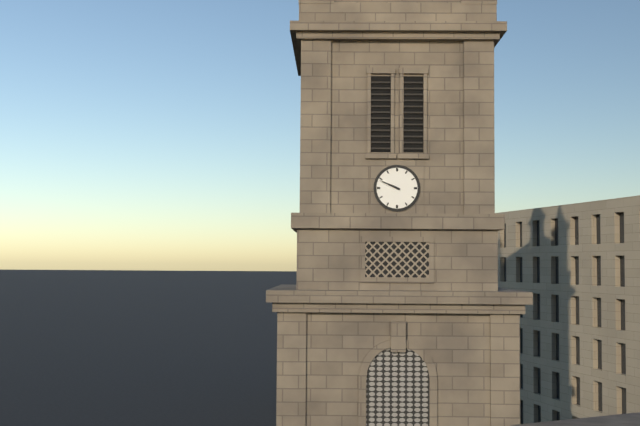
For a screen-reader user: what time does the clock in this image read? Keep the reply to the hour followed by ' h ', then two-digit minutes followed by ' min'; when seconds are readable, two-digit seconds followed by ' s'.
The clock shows 9 h 49 min
